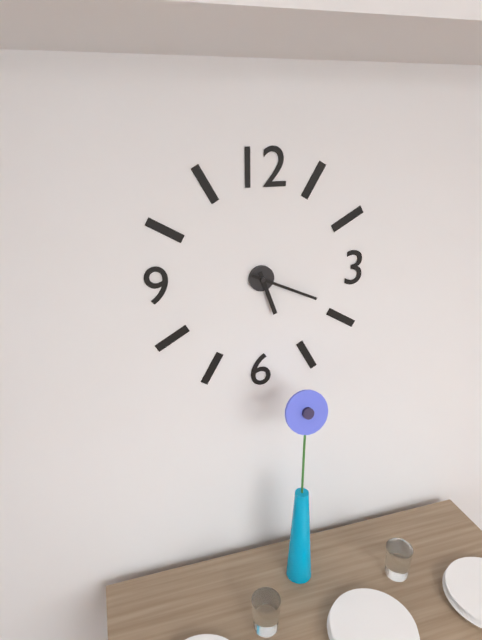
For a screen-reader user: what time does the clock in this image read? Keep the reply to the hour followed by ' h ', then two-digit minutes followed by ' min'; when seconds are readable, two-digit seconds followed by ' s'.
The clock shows 5 h 19 min
